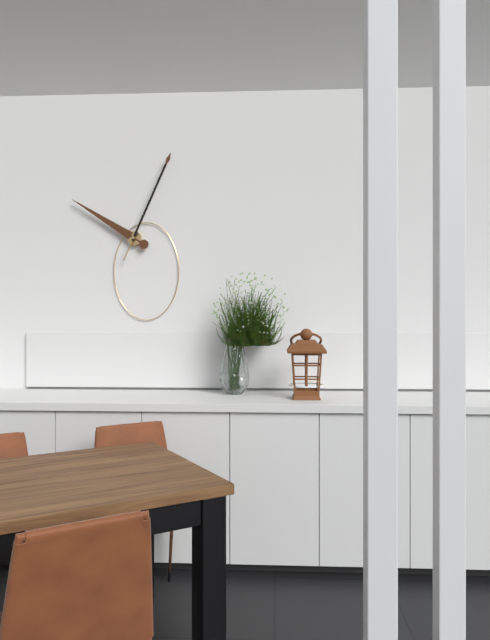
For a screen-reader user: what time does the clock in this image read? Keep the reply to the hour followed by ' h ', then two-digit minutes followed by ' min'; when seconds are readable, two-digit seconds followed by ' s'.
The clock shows 10 h 04 min
